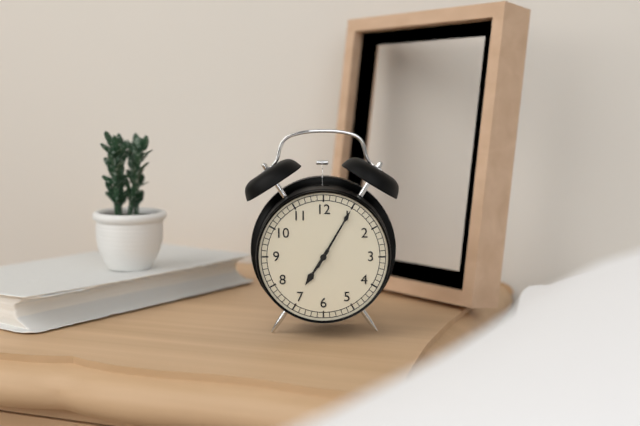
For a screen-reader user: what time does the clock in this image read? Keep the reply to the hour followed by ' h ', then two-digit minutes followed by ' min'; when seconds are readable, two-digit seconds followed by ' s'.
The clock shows 7 h 05 min
